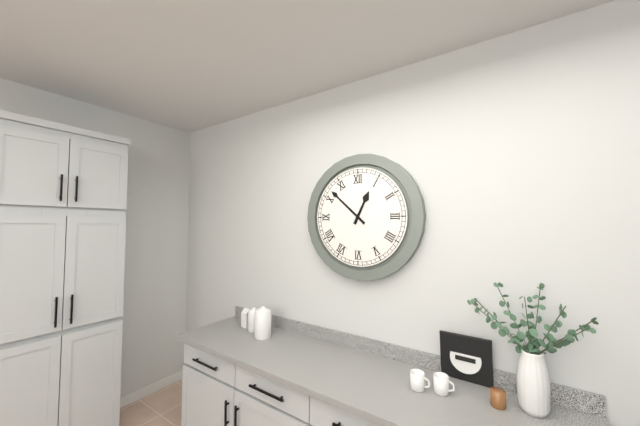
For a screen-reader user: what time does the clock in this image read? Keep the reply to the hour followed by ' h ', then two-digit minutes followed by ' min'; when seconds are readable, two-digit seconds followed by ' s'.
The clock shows 12 h 52 min
